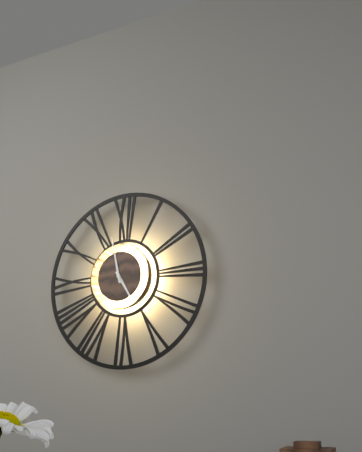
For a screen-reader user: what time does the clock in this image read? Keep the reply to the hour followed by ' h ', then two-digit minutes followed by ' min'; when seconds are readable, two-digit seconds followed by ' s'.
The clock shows 4 h 58 min
